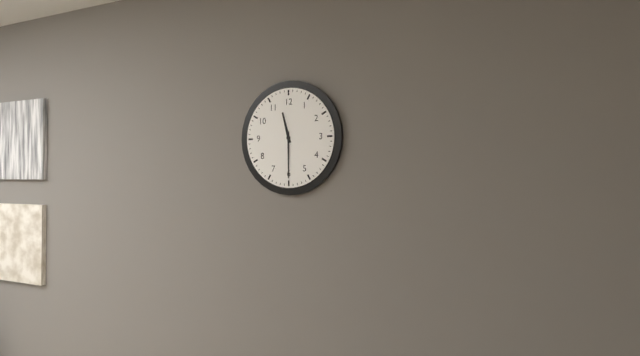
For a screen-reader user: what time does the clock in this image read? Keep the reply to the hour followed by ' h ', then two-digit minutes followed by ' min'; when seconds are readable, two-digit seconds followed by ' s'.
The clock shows 11 h 30 min
